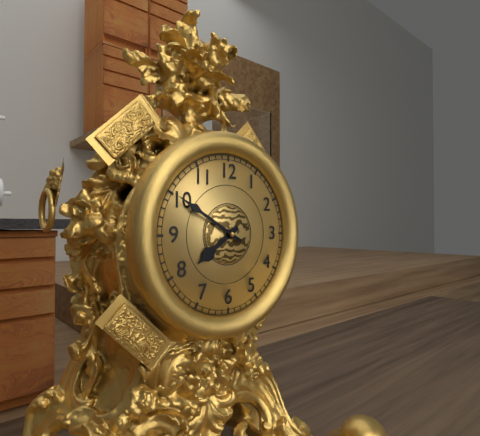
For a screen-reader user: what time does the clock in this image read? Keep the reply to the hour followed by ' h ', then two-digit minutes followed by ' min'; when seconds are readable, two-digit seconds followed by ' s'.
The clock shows 7 h 50 min
